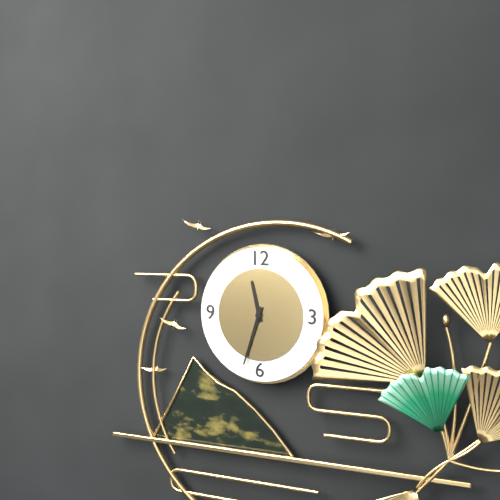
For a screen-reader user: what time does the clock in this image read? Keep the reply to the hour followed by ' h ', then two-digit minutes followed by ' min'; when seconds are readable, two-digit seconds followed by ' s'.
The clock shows 11 h 33 min
